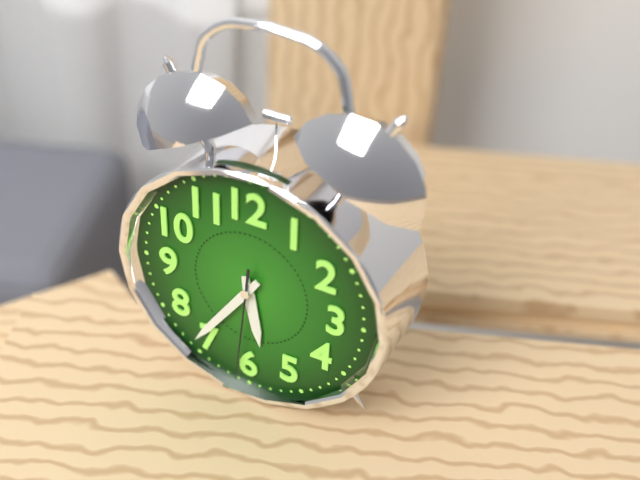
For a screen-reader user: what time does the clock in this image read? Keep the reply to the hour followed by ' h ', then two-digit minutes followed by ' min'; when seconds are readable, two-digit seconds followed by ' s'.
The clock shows 5 h 36 min 31 s
